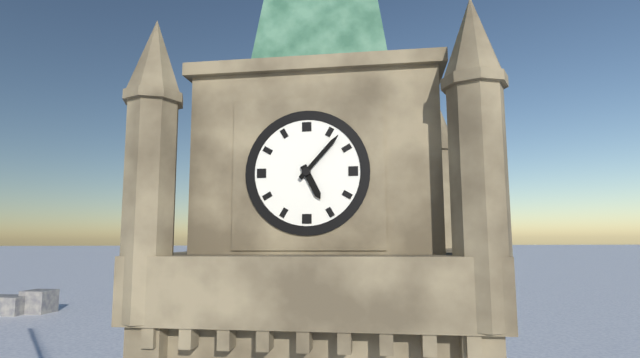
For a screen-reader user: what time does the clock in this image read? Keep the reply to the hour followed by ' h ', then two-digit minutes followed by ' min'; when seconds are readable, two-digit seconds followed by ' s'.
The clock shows 5 h 07 min
